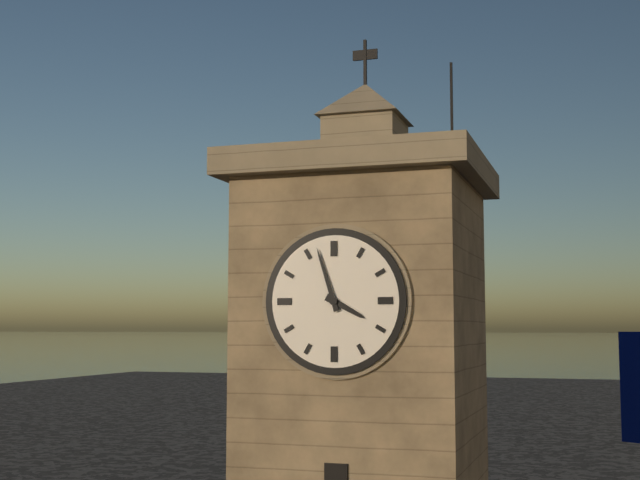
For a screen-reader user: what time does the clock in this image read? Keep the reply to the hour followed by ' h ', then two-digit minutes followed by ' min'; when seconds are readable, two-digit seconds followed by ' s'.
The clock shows 3 h 57 min
